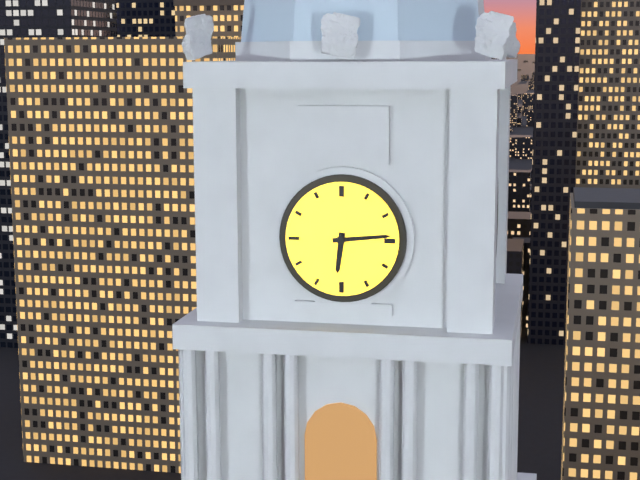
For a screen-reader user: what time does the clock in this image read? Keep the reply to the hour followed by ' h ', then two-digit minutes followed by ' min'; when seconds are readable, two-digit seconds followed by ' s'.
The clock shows 6 h 14 min
